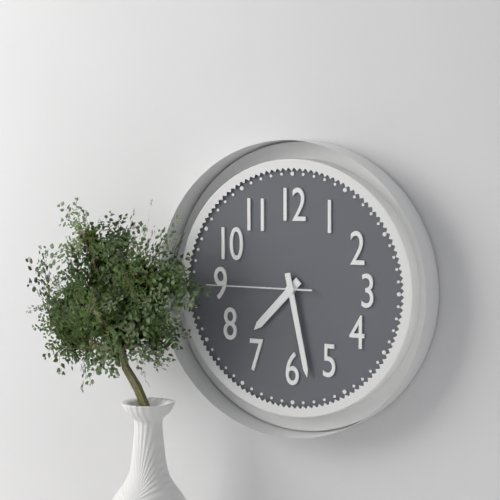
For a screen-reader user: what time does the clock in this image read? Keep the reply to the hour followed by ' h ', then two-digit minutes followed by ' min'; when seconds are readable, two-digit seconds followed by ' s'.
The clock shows 7 h 28 min 45 s
